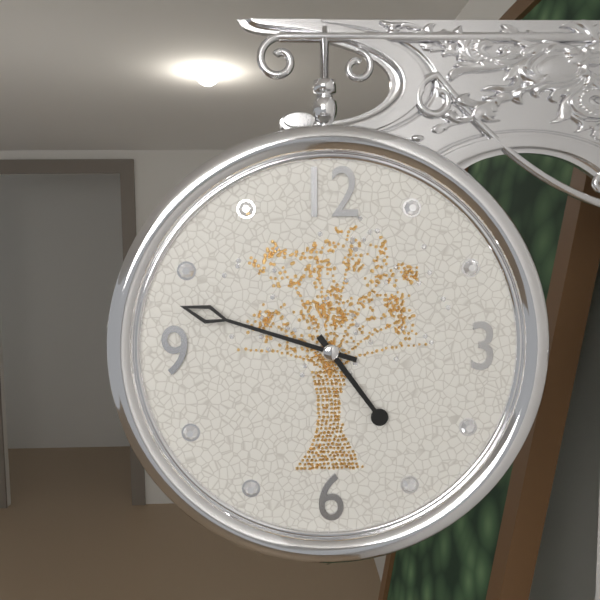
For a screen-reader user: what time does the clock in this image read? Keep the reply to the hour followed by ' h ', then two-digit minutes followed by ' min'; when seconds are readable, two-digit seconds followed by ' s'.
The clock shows 4 h 48 min
